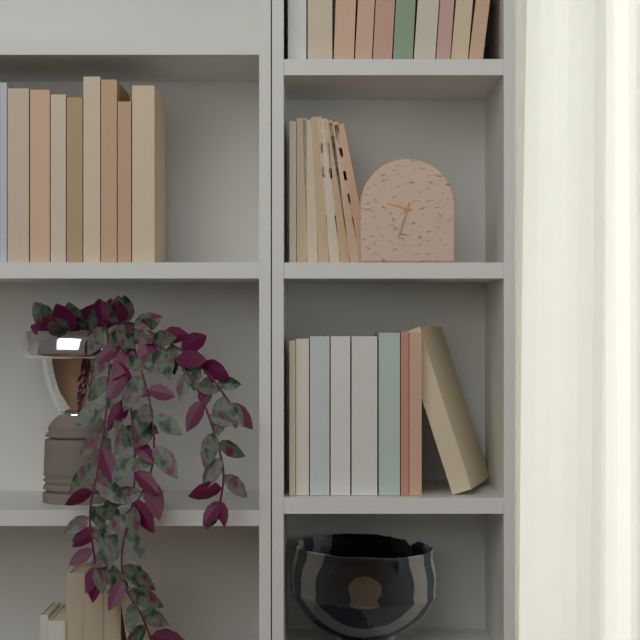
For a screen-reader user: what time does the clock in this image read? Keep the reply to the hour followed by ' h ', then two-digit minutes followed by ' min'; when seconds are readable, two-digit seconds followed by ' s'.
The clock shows 9 h 33 min
